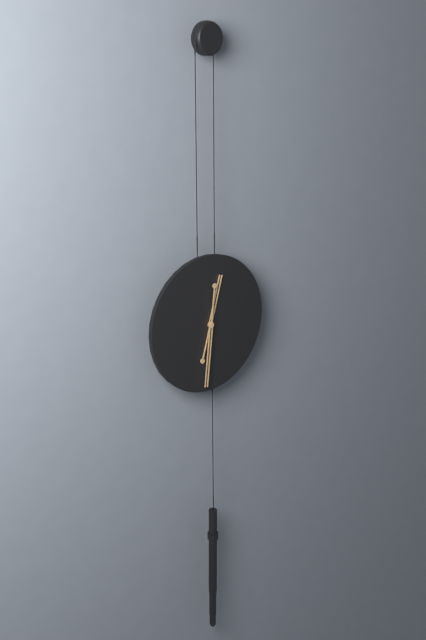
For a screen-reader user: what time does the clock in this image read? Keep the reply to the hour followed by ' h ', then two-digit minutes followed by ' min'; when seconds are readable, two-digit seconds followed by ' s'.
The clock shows 12 h 31 min
